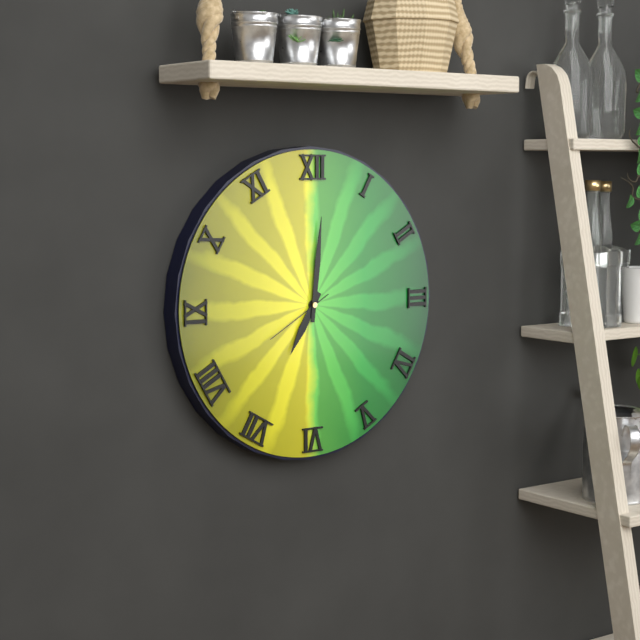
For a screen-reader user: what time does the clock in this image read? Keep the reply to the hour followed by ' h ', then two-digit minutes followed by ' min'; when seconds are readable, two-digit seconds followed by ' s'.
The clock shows 7 h 01 min 40 s
